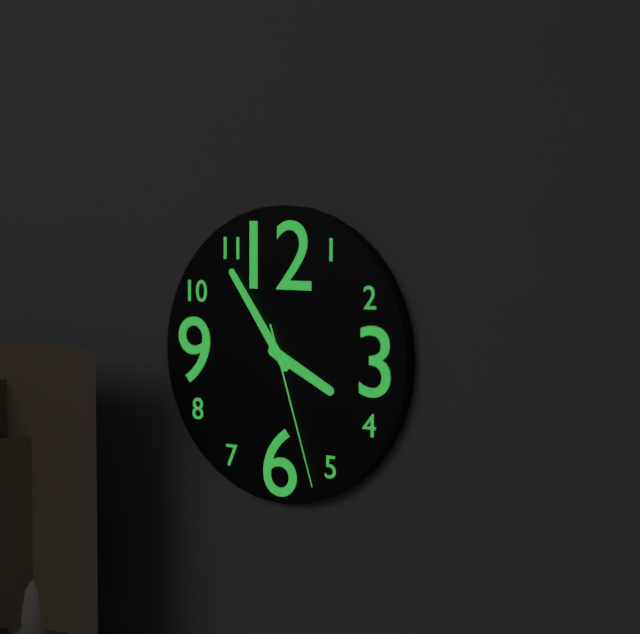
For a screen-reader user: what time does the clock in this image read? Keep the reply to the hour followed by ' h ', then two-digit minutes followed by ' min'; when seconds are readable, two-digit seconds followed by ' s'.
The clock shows 3 h 54 min 27 s
